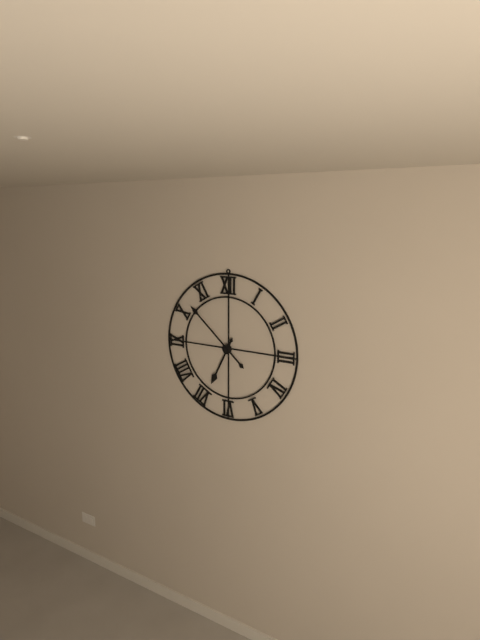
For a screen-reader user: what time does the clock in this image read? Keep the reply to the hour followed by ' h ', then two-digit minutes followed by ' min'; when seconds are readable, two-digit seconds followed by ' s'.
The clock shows 6 h 52 min
